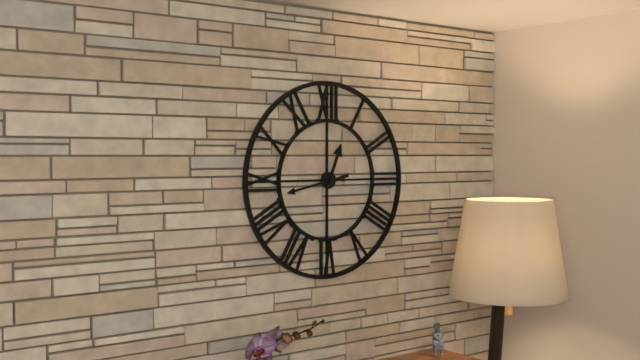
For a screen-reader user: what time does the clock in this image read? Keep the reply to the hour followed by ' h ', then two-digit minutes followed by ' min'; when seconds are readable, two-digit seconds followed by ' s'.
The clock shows 12 h 43 min
